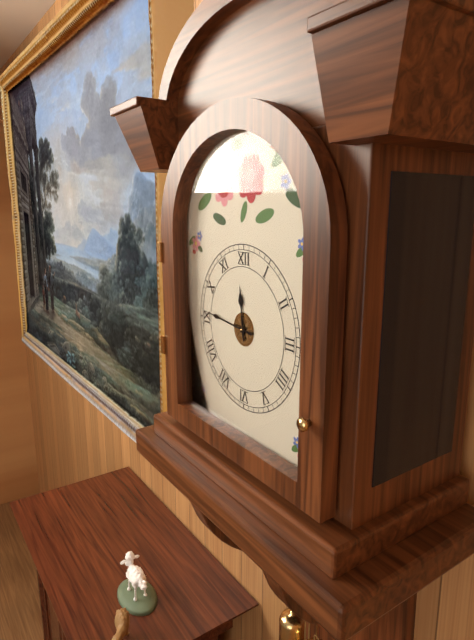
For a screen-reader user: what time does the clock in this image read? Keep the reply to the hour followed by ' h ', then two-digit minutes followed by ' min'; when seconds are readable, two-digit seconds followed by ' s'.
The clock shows 11 h 46 min
